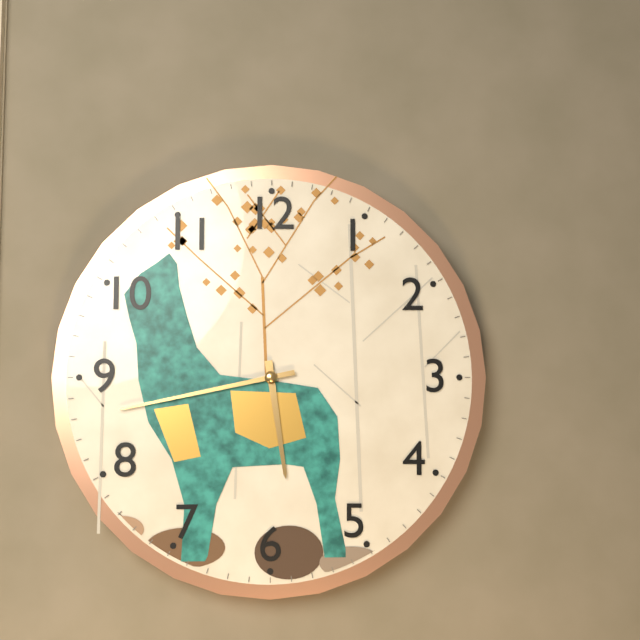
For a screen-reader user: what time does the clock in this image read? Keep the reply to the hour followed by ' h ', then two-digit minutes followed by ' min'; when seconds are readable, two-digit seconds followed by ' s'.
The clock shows 5 h 43 min
